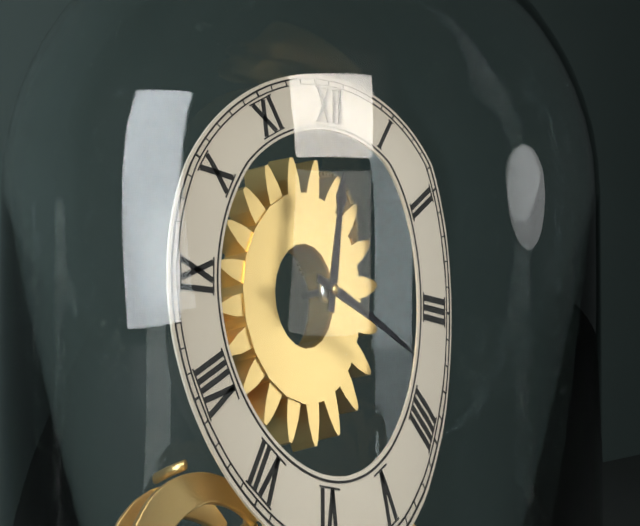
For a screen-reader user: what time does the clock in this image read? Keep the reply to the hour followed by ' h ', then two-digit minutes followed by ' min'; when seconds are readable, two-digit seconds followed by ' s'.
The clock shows 12 h 18 min
